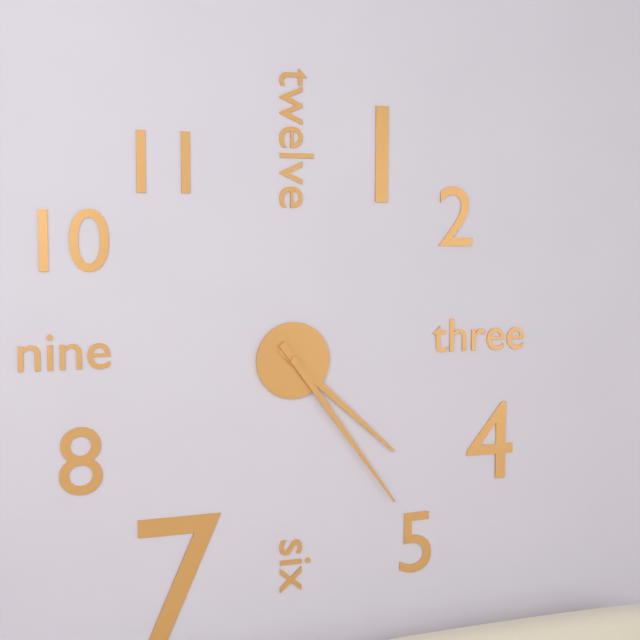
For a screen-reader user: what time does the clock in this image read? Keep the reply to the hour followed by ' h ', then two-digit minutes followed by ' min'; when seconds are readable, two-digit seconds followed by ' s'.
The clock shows 4 h 24 min
